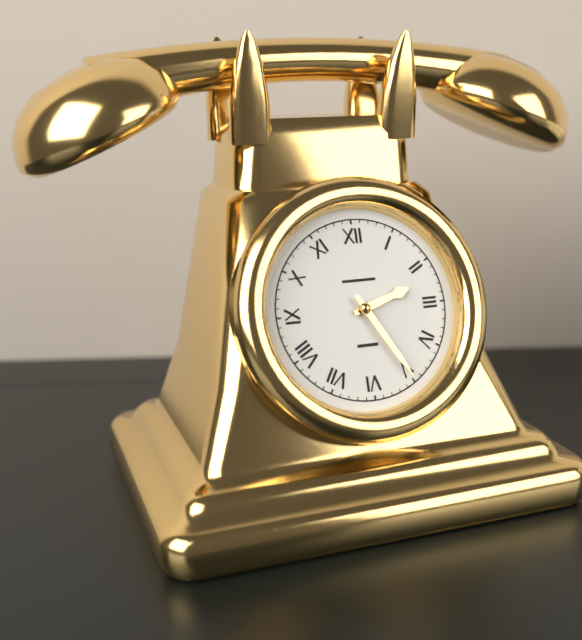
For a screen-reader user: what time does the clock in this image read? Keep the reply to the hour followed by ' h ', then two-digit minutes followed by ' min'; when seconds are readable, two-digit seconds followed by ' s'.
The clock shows 2 h 25 min
